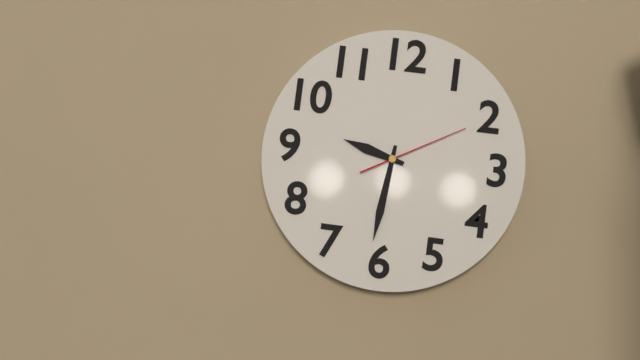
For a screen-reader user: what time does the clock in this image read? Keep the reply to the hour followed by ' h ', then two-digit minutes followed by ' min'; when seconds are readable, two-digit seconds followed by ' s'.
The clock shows 9 h 31 min 10 s
